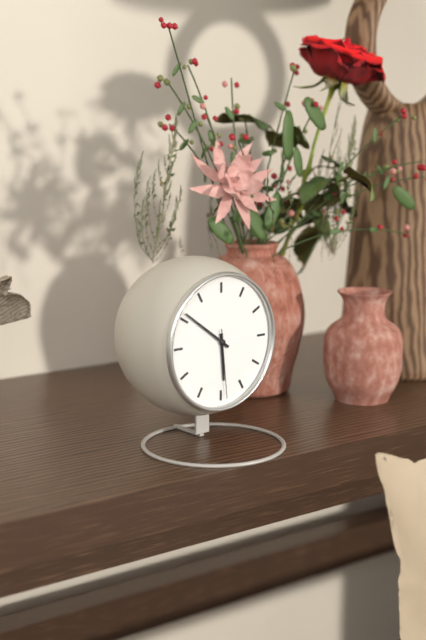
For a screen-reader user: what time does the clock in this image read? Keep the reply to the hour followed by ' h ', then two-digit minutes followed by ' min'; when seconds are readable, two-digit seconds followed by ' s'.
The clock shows 5 h 51 min 29 s
